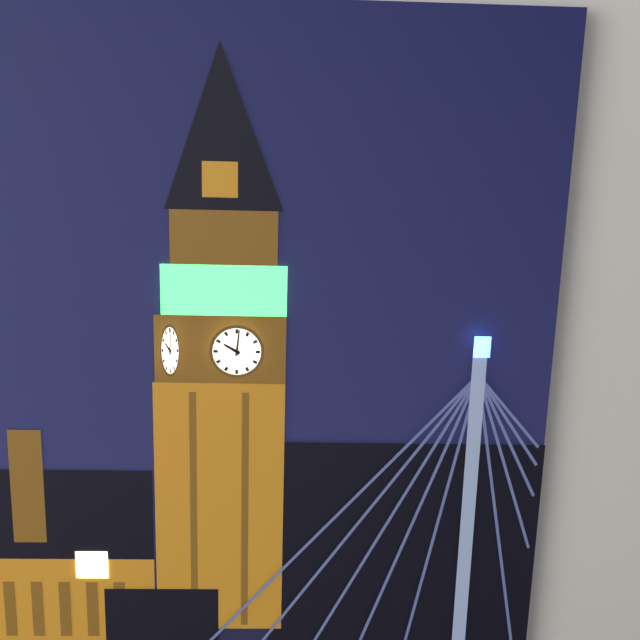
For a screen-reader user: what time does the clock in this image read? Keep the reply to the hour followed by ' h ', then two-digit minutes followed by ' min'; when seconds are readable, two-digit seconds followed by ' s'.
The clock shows 10 h 01 min
